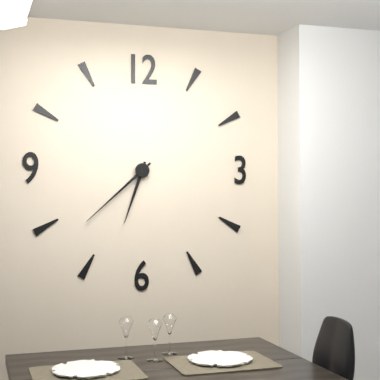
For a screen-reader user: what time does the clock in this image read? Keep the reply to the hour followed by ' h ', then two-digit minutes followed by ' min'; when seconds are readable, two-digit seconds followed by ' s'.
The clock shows 6 h 38 min
